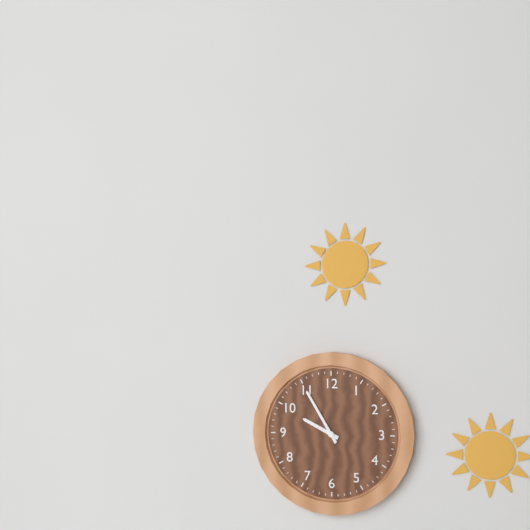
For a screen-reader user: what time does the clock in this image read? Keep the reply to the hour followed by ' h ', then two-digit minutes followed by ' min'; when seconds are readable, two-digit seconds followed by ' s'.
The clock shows 9 h 55 min
